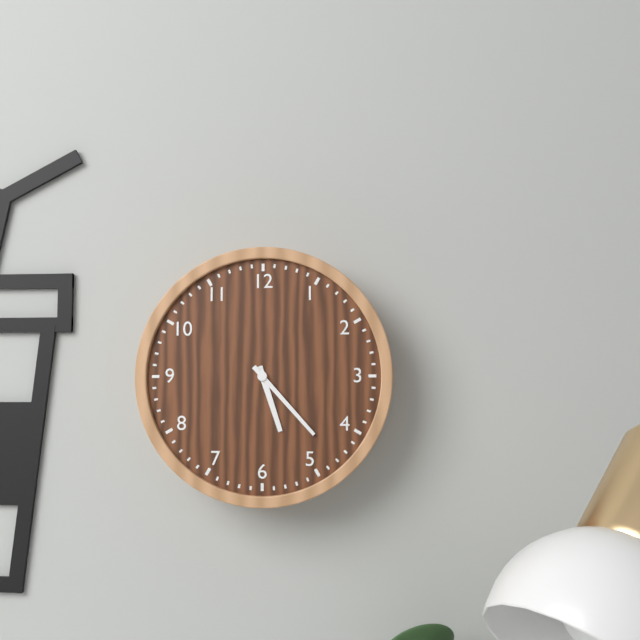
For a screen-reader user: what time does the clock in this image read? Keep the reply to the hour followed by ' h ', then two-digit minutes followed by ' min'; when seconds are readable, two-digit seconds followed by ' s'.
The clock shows 5 h 23 min
